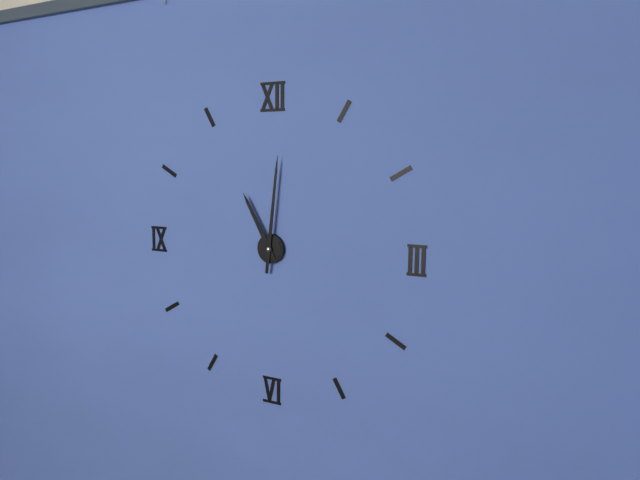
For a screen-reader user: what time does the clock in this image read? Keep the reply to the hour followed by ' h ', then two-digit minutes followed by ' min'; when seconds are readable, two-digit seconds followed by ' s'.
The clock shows 11 h 01 min
